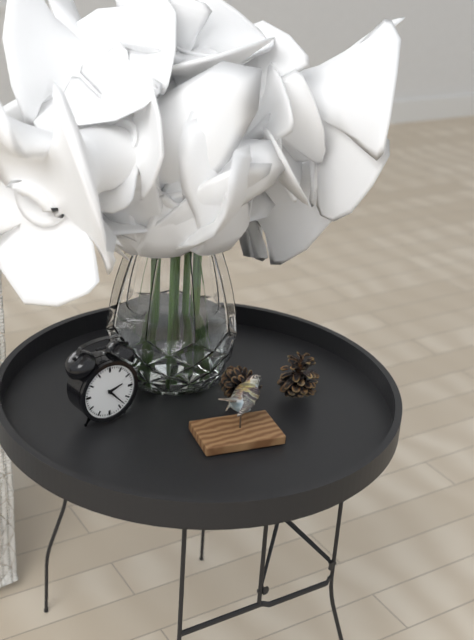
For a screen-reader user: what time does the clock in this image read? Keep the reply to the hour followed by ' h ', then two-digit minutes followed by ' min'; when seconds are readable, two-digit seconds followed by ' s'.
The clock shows 2 h 23 min
